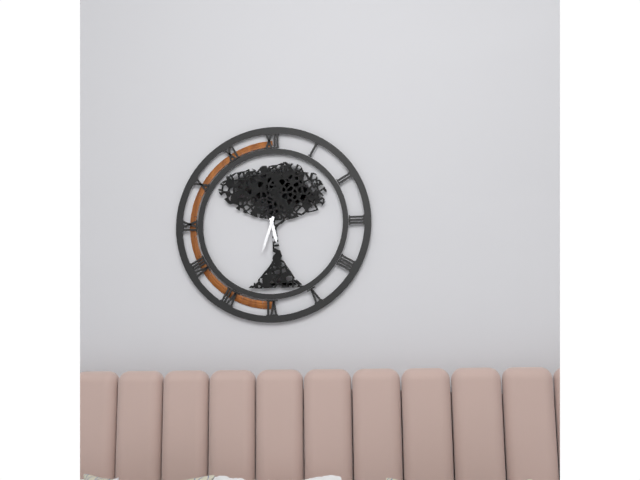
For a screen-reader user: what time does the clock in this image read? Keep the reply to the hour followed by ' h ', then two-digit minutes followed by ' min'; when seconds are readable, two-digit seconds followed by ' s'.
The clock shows 5 h 33 min
